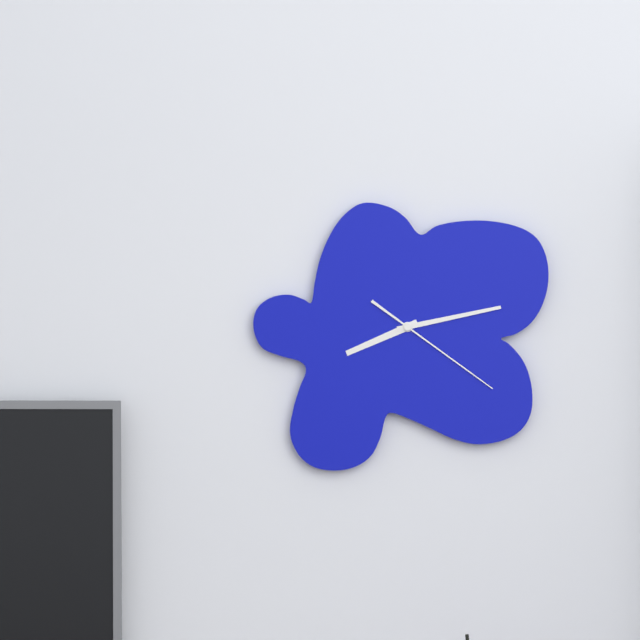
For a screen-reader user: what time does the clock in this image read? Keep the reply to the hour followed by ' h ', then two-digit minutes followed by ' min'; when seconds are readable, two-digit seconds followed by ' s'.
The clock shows 8 h 13 min 21 s
